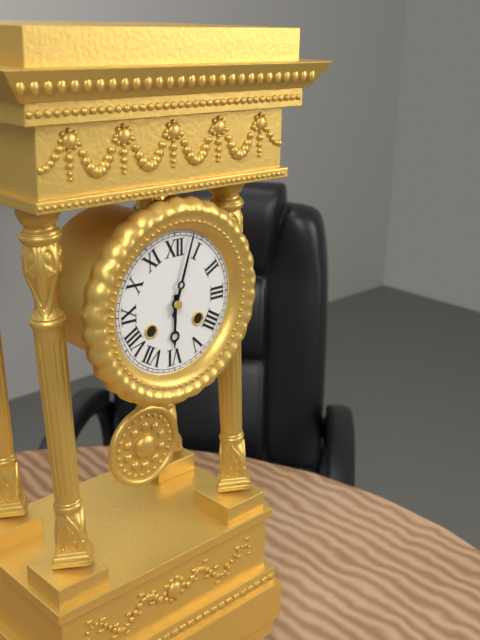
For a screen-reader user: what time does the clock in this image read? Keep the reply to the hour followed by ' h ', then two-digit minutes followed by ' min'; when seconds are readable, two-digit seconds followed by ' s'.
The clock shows 6 h 03 min
